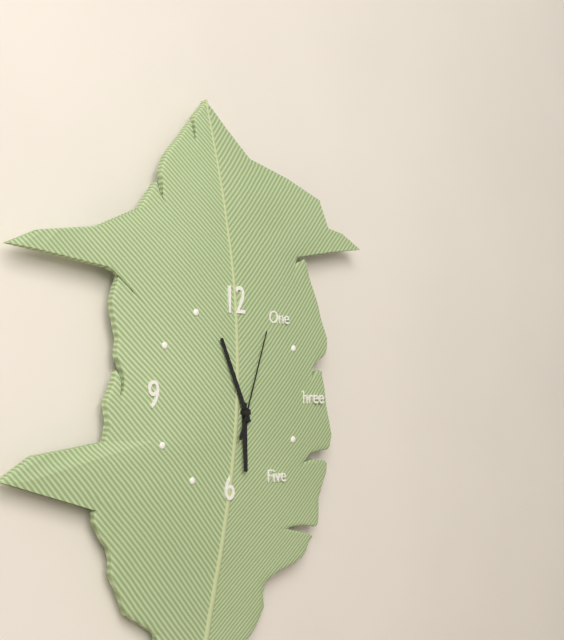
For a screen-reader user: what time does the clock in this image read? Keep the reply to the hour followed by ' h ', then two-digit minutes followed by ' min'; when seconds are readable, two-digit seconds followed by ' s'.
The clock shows 5 h 56 min 03 s
